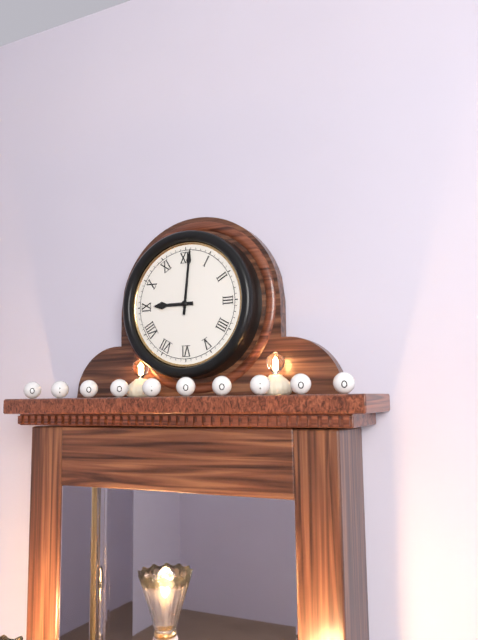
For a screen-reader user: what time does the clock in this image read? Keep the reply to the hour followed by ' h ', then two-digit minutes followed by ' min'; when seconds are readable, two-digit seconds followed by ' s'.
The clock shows 9 h 01 min
